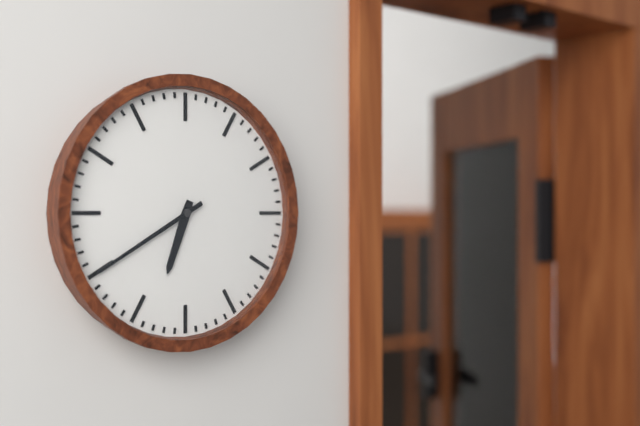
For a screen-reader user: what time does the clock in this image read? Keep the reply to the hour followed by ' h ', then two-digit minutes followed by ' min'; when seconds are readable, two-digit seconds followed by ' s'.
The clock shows 6 h 40 min
